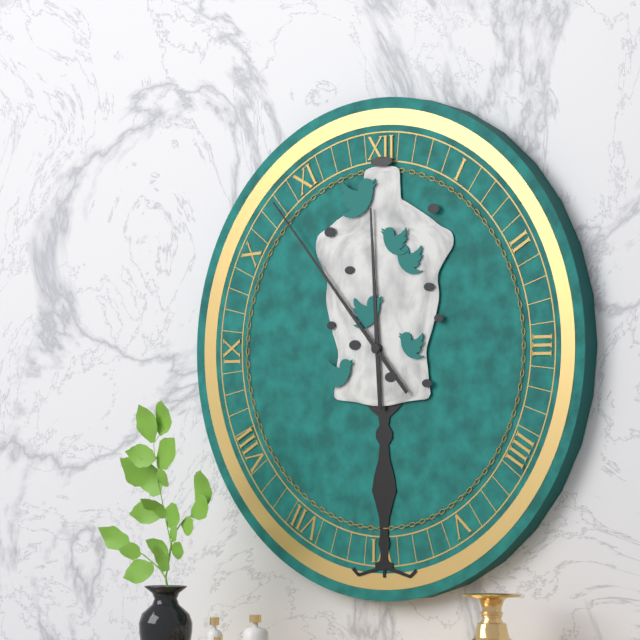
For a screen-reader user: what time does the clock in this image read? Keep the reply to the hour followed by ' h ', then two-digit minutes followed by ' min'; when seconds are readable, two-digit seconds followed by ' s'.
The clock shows 11 h 53 min
